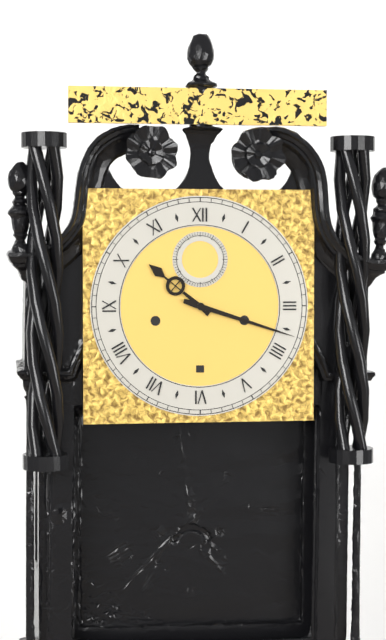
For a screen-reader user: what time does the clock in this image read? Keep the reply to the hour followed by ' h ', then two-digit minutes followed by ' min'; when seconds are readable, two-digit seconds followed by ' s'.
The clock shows 10 h 18 min
